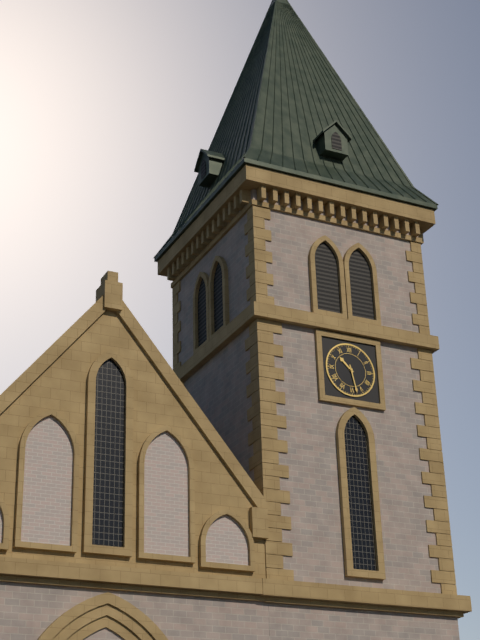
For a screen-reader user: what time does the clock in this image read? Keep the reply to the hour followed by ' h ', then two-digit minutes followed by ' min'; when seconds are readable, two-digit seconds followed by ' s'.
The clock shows 10 h 28 min
